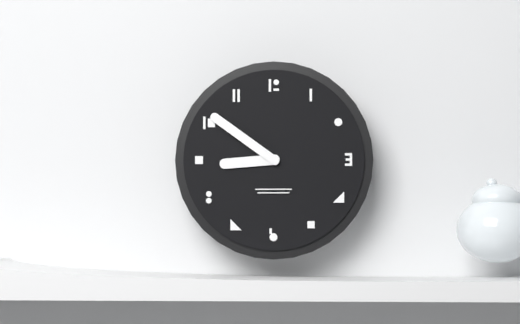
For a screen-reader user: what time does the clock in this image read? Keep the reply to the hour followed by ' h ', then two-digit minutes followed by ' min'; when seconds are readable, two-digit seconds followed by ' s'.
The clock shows 8 h 51 min
